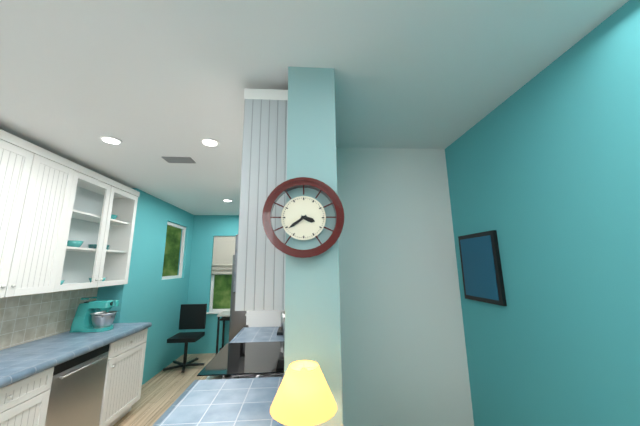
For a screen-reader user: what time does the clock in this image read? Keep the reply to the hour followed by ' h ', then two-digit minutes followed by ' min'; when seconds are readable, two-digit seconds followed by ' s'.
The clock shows 3 h 39 min
